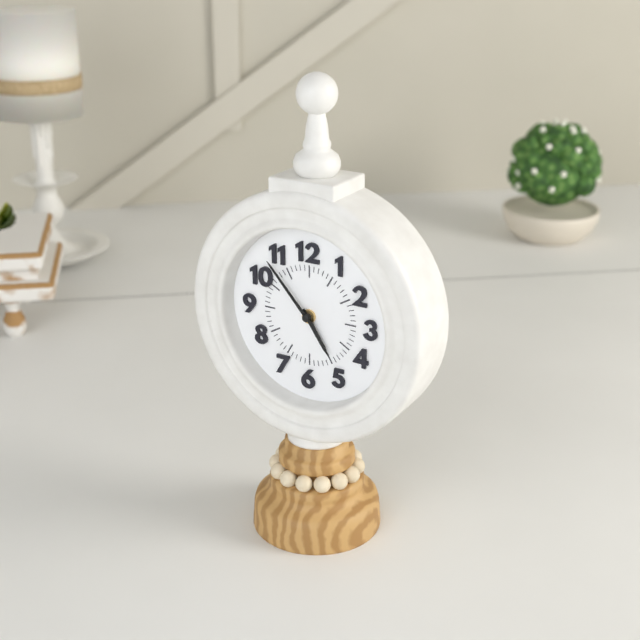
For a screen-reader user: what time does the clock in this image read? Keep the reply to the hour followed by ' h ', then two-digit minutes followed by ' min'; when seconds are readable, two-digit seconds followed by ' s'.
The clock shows 4 h 53 min
